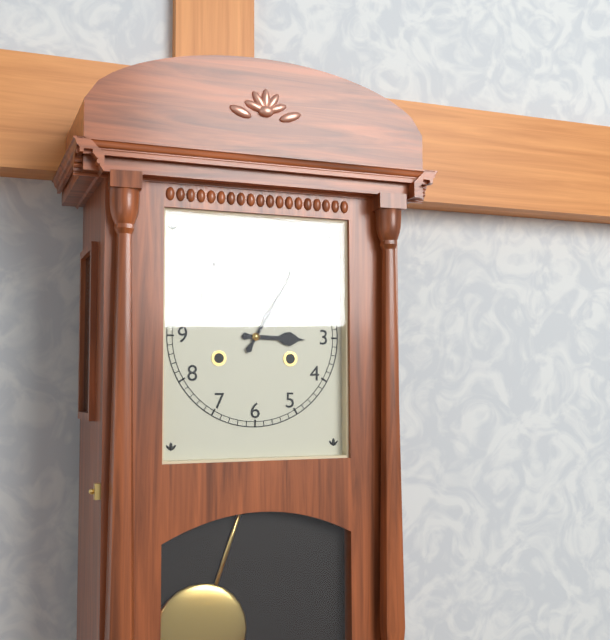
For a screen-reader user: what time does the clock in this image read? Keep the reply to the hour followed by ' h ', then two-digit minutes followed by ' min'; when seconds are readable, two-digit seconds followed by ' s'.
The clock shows 3 h 05 min
